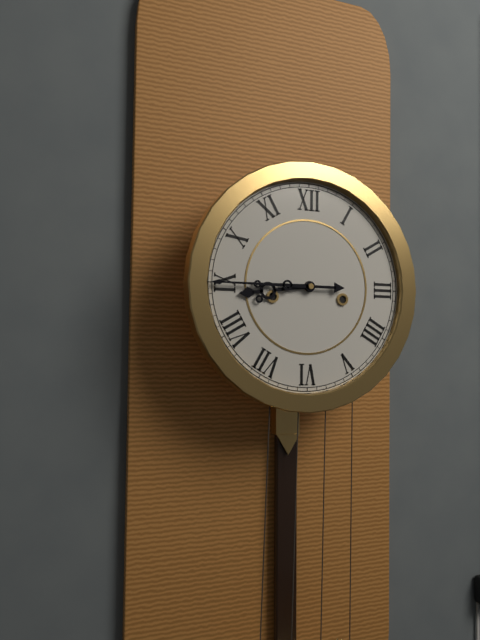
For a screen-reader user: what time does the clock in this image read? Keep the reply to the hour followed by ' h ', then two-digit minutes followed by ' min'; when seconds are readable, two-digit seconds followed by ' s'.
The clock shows 8 h 45 min
